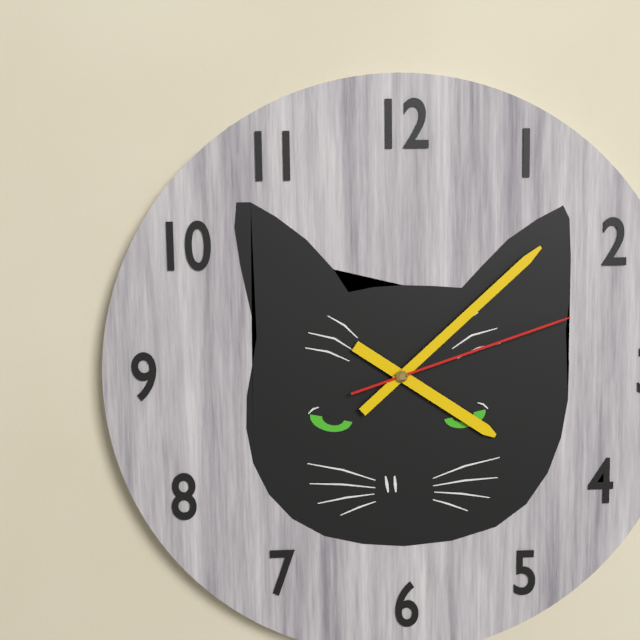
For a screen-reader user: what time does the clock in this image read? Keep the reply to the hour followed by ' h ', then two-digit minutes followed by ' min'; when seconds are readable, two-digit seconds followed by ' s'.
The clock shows 4 h 08 min 12 s
